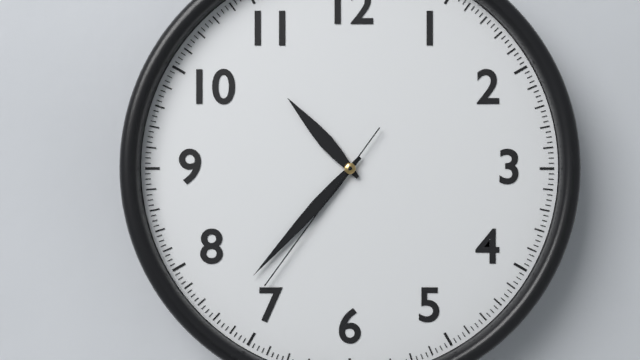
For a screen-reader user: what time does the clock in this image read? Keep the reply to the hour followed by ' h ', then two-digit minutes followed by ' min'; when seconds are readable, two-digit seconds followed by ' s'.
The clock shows 10 h 37 min 36 s
